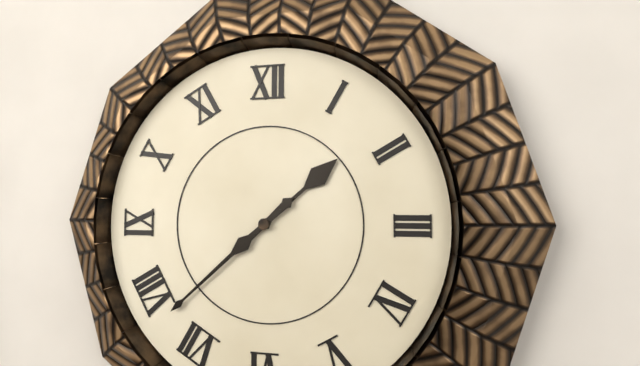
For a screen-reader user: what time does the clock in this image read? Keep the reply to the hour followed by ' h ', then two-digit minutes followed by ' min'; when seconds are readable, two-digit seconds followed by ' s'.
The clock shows 1 h 38 min
